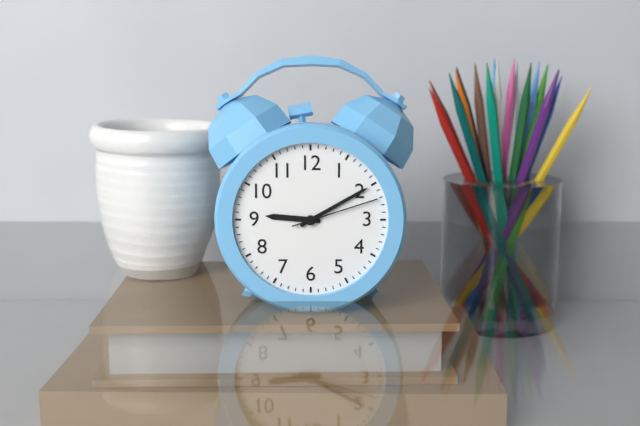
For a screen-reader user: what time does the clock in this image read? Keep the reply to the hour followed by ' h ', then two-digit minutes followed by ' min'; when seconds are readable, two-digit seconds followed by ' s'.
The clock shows 9 h 10 min 12 s
